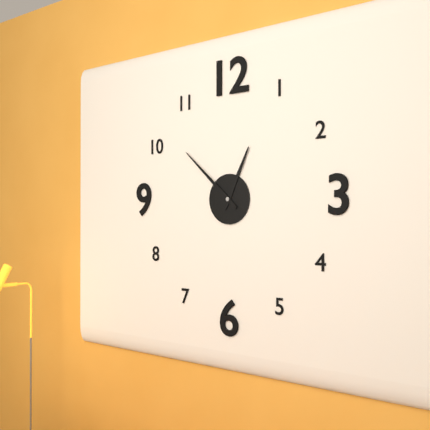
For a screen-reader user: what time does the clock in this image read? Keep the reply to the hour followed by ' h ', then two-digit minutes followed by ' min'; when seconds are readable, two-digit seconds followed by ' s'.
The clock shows 12 h 52 min
